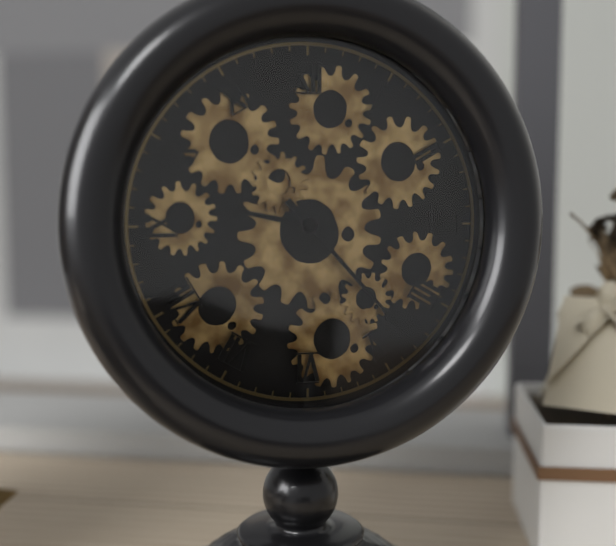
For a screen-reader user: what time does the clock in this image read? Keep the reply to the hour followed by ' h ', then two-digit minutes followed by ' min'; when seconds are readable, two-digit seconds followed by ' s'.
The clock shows 9 h 23 min
